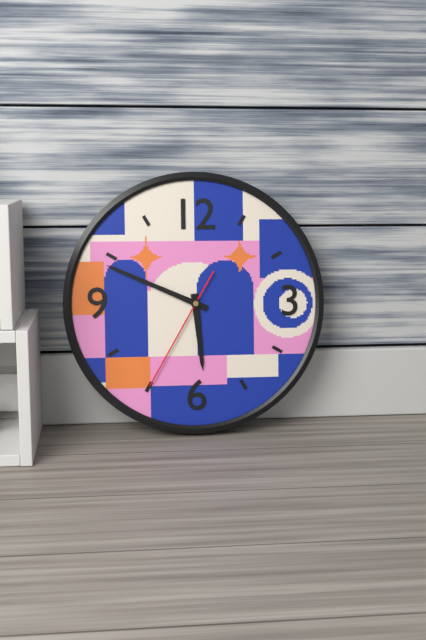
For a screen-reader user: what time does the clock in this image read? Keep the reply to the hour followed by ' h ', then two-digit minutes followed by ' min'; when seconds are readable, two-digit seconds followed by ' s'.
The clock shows 5 h 49 min 35 s
